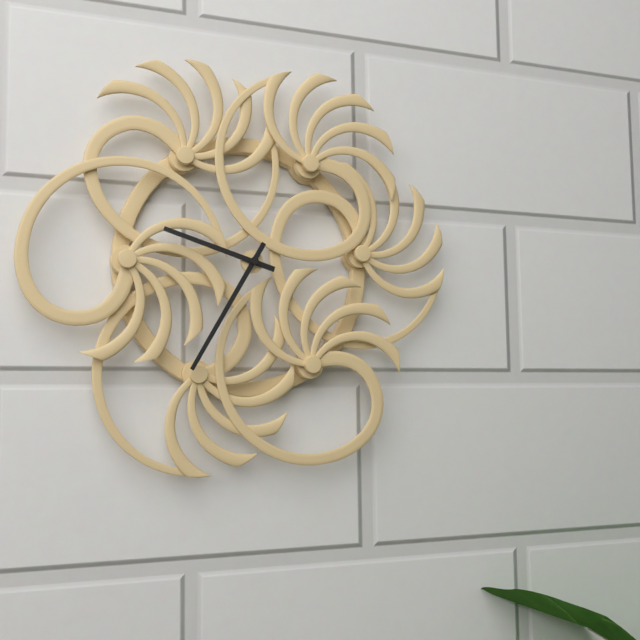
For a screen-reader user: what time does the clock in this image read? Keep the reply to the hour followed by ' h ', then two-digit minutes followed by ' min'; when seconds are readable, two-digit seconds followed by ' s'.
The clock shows 9 h 35 min
